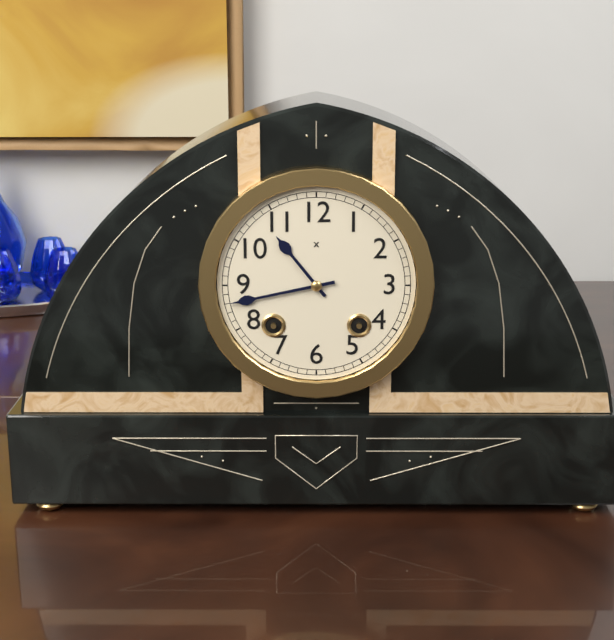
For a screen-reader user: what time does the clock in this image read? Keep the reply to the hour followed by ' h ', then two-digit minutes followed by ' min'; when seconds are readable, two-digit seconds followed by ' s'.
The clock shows 10 h 43 min
